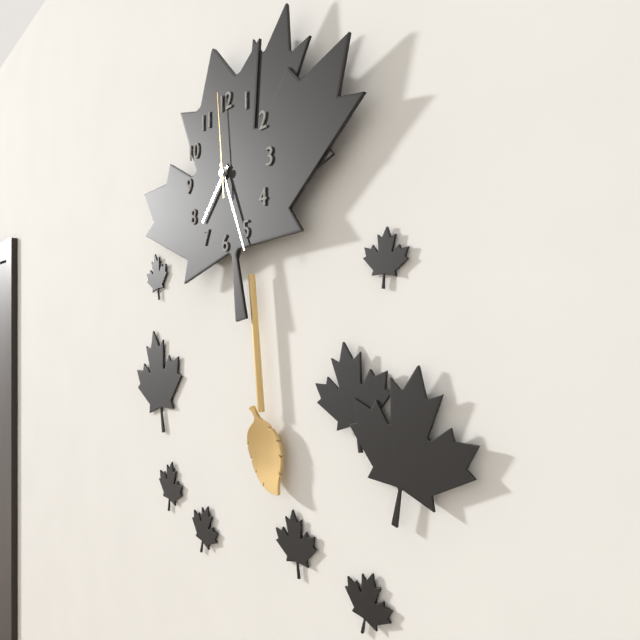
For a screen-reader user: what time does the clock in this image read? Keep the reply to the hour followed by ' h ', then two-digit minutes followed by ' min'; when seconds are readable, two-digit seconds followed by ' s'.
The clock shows 7 h 26 min 59 s
